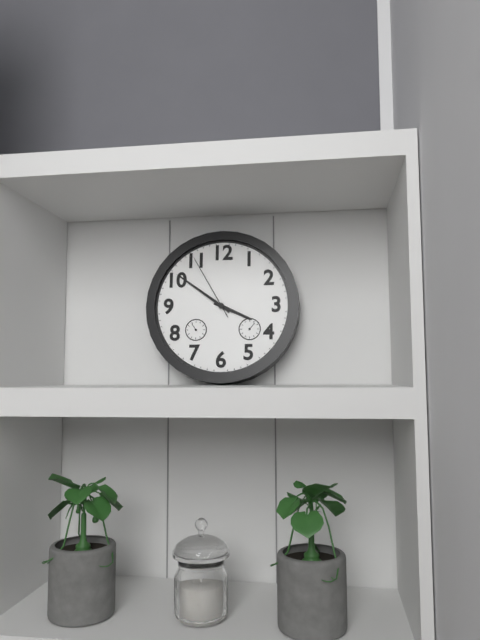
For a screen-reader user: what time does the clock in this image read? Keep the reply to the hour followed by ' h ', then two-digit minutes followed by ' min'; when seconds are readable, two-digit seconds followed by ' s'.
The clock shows 3 h 51 min 55 s
